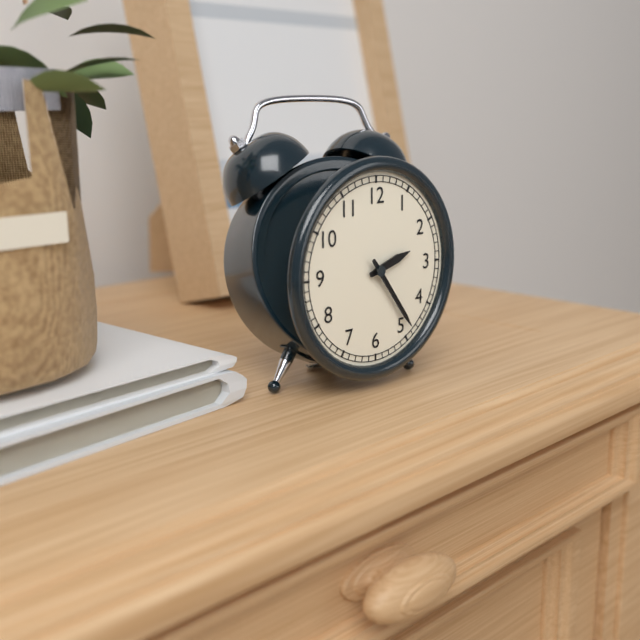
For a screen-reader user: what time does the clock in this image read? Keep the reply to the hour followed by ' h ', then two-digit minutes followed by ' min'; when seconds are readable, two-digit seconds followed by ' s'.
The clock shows 2 h 24 min
